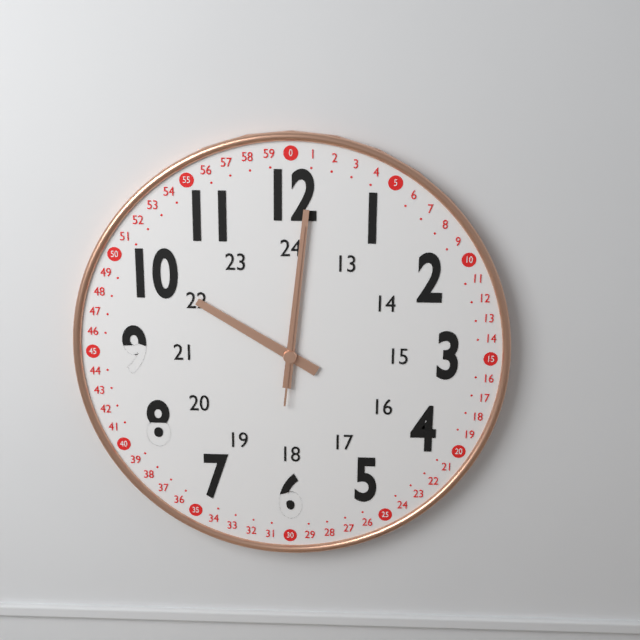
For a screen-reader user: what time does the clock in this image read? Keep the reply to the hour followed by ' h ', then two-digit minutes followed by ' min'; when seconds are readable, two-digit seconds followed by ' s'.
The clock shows 10 h 01 min 01 s
